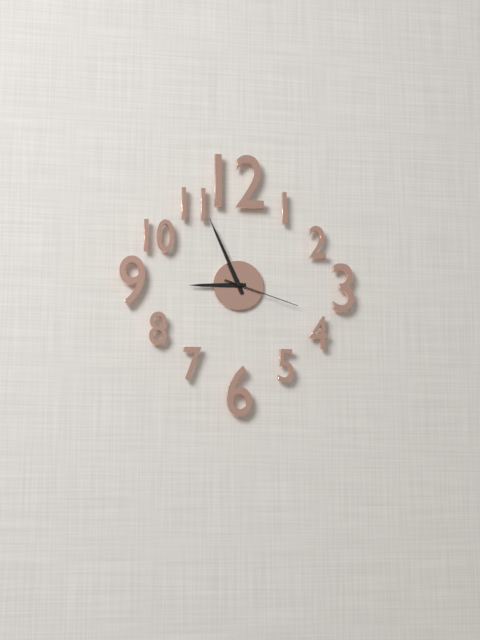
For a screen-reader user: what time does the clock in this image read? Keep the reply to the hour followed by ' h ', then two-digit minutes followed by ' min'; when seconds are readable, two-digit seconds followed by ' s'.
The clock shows 8 h 56 min 18 s
